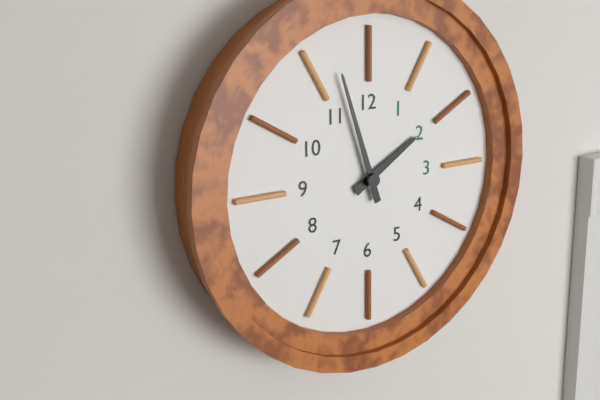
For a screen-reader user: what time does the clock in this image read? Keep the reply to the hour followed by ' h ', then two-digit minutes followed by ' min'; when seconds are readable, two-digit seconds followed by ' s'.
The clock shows 1 h 57 min
